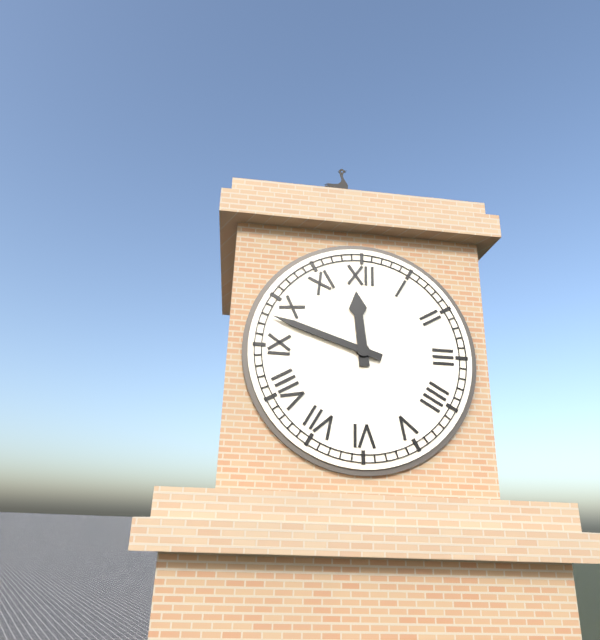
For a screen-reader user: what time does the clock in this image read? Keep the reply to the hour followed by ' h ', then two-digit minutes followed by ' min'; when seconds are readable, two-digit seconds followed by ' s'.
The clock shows 11 h 48 min
